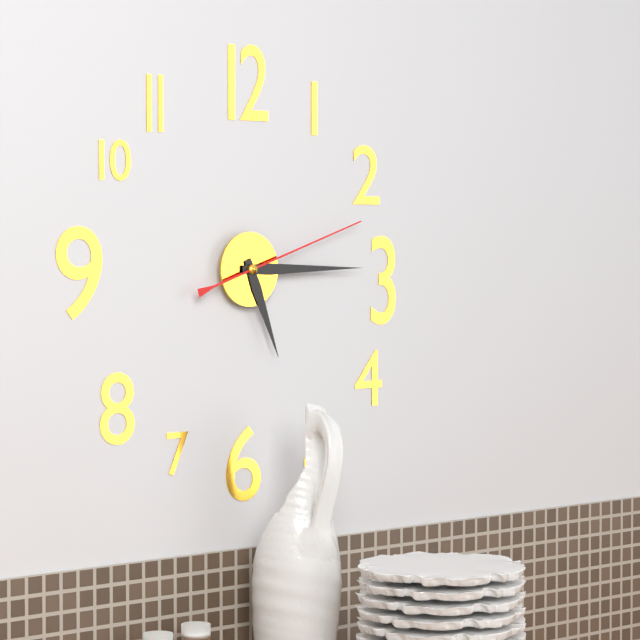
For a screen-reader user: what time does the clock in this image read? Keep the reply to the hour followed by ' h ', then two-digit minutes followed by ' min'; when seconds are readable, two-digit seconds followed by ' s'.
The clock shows 5 h 15 min 12 s
